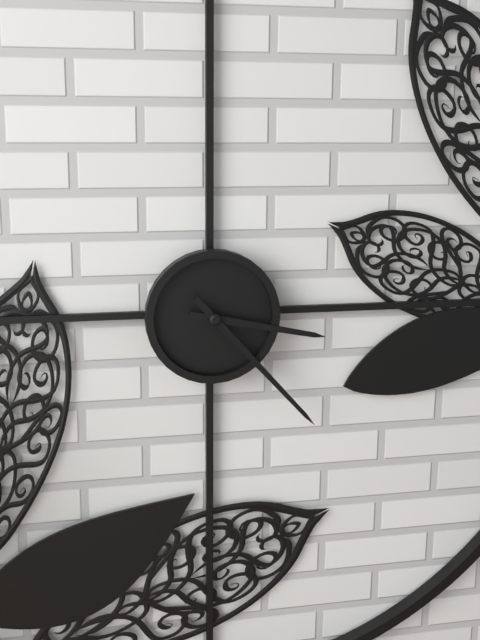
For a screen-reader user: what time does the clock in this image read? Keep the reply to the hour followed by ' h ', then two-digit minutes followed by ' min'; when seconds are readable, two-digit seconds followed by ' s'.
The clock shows 3 h 23 min
